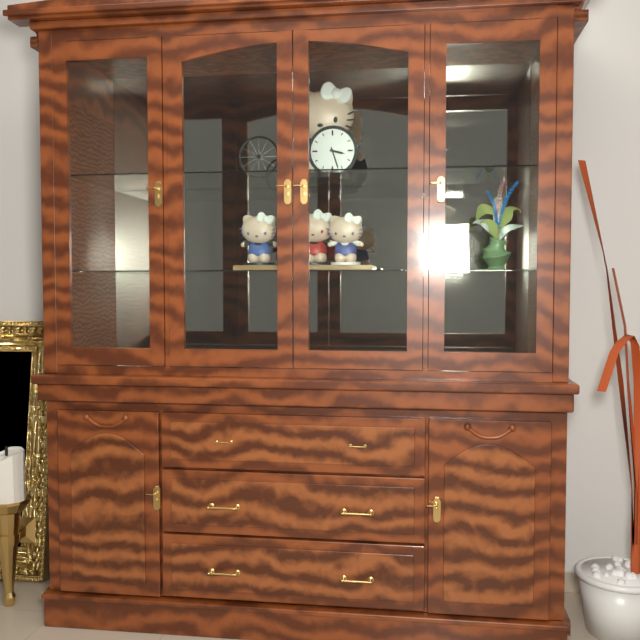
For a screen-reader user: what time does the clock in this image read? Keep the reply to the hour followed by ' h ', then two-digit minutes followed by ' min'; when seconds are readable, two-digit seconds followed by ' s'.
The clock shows 3 h 27 min
